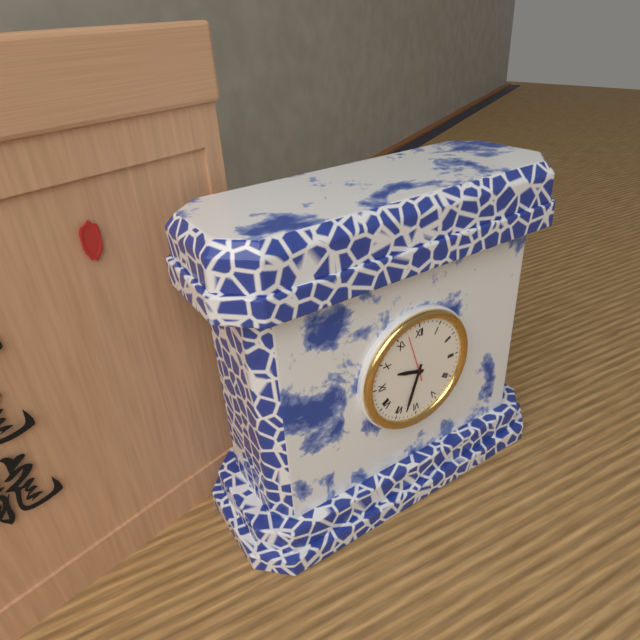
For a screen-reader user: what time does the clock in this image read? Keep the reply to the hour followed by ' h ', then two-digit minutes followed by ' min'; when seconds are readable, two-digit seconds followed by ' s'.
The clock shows 9 h 33 min
